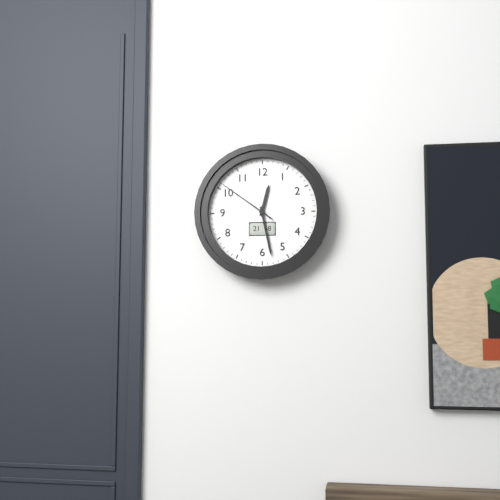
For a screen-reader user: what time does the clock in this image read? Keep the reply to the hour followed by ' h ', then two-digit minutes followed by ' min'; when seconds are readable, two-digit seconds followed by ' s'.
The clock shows 12 h 28 min 51 s
